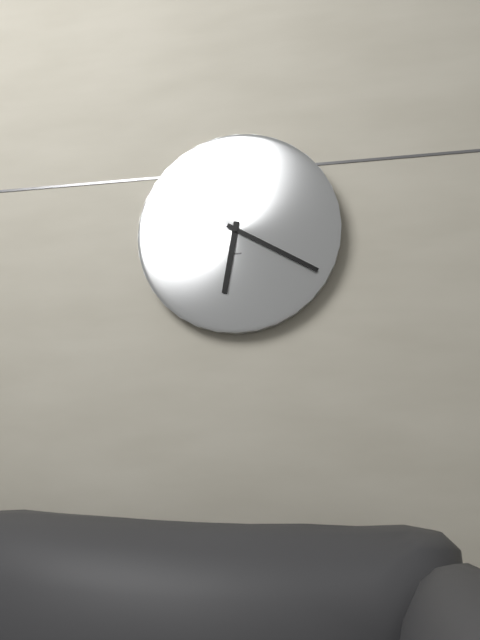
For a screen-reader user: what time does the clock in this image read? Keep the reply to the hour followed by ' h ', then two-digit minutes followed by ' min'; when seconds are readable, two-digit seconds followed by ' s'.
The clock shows 6 h 20 min
